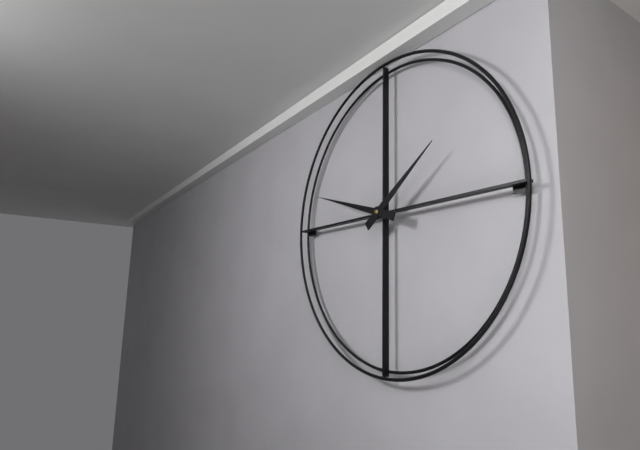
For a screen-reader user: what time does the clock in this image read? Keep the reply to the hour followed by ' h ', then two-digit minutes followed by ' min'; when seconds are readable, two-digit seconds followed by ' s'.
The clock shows 1 h 48 min
